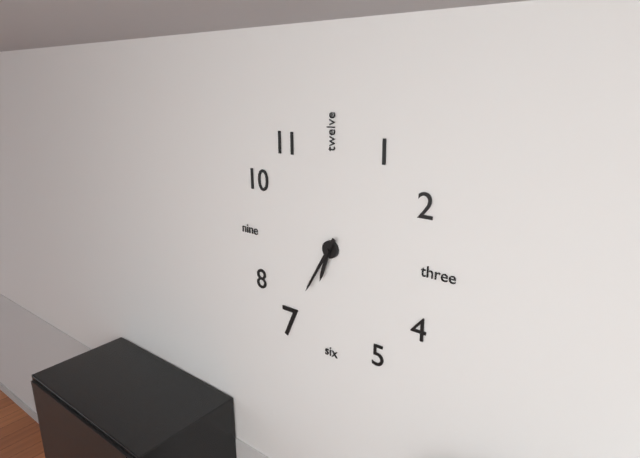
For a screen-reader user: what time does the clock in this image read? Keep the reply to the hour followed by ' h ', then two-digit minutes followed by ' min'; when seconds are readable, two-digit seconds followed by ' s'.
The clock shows 6 h 35 min
